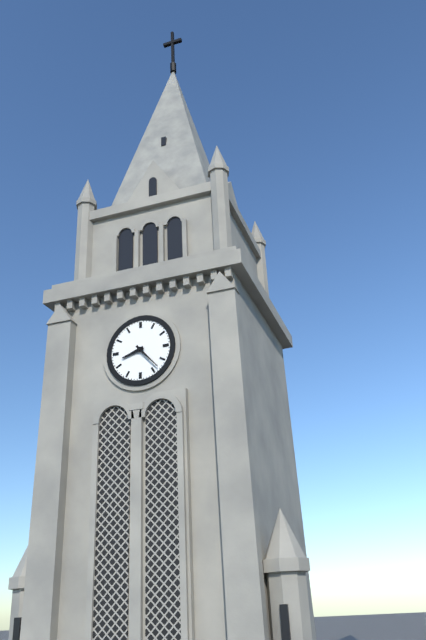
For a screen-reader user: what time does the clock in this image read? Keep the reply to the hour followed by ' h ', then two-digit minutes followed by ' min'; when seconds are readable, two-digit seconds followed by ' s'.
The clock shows 8 h 23 min
